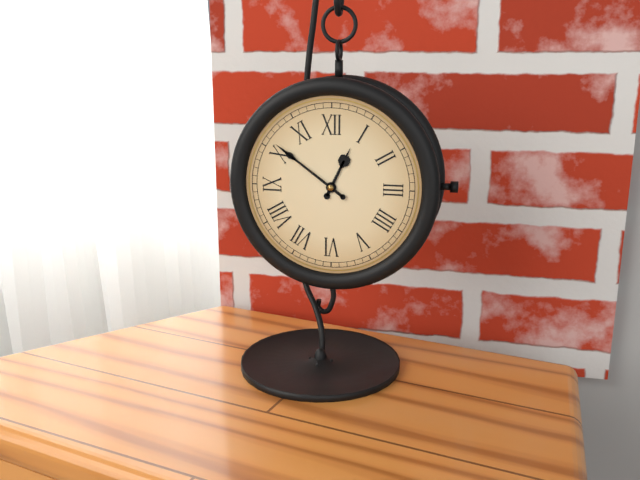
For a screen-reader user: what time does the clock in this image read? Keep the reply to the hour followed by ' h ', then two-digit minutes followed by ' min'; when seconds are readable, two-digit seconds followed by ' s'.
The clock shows 12 h 51 min
